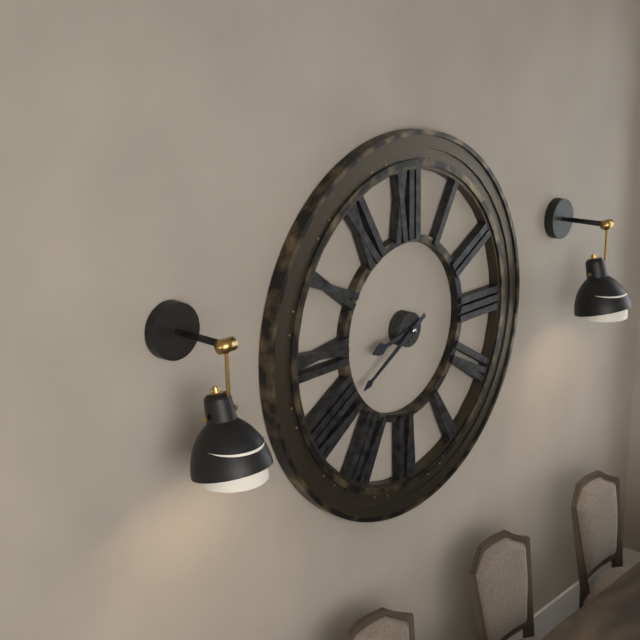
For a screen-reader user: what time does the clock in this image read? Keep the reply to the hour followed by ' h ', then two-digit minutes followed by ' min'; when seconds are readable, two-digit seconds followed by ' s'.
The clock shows 8 h 40 min
